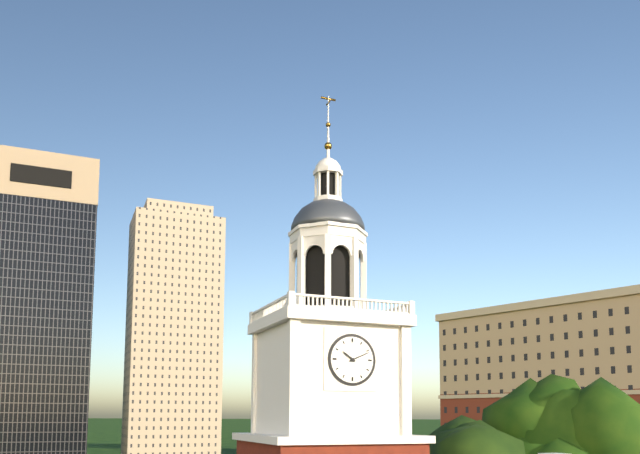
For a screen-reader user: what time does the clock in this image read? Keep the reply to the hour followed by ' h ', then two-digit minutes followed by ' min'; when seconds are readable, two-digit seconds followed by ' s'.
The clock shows 10 h 11 min
